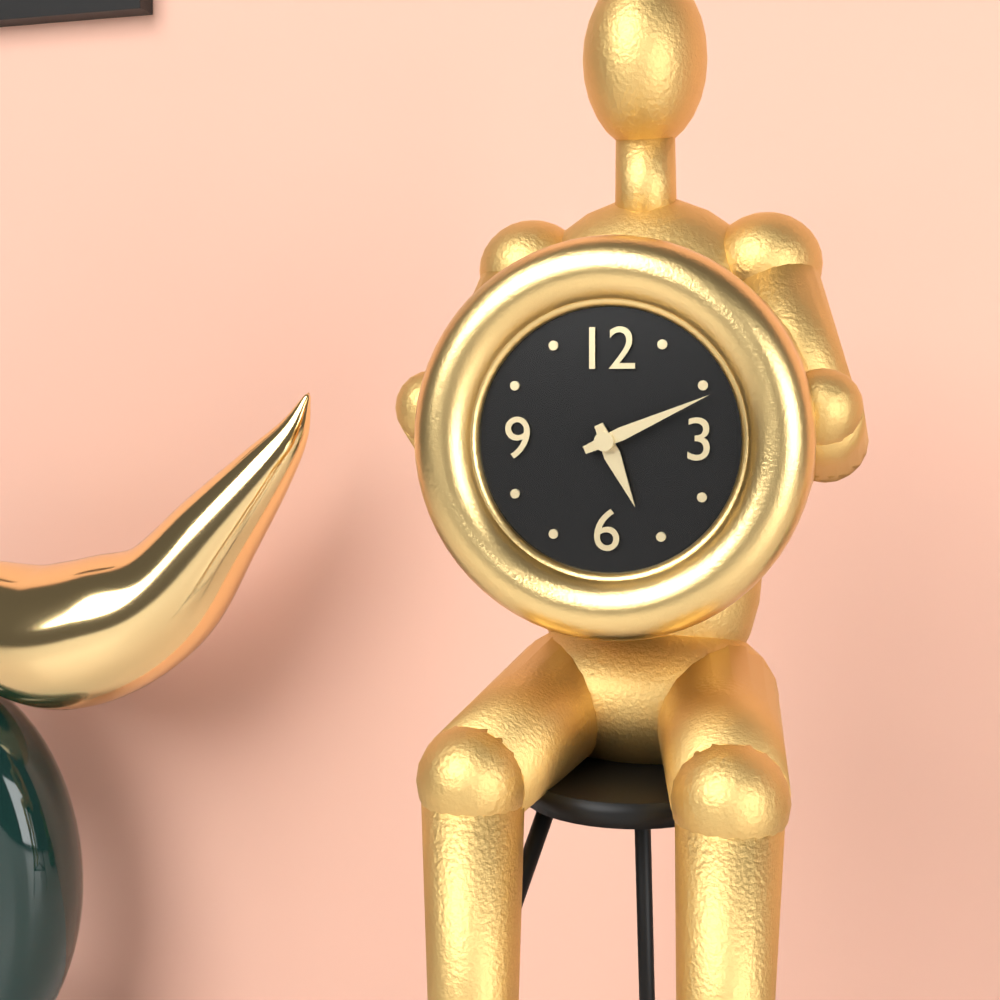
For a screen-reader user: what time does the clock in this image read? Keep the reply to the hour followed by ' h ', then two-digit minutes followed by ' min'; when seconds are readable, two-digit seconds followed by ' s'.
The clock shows 5 h 11 min
